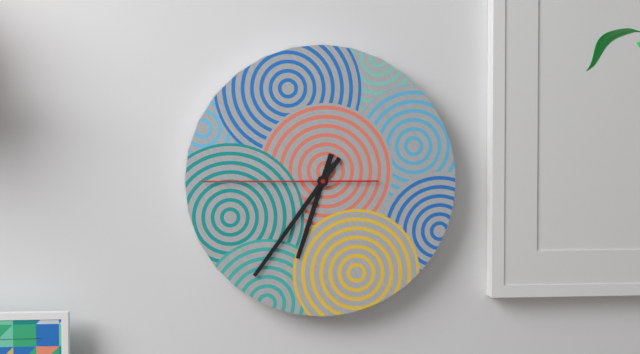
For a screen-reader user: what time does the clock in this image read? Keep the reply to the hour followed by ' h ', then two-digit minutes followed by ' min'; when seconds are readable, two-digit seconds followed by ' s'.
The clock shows 6 h 36 min 45 s
